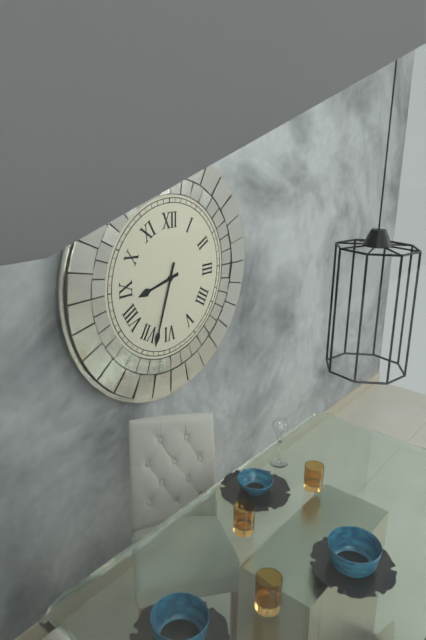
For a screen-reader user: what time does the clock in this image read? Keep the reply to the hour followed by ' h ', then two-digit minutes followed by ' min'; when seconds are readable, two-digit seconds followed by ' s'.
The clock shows 8 h 33 min
